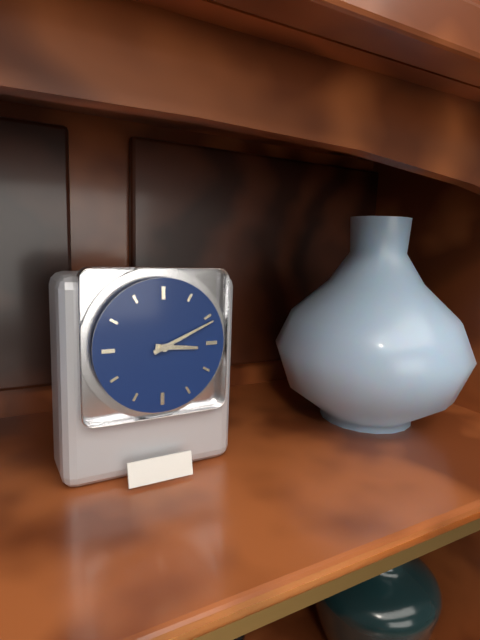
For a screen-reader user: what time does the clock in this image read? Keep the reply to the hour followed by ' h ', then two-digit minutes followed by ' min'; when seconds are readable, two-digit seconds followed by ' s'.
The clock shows 3 h 11 min
